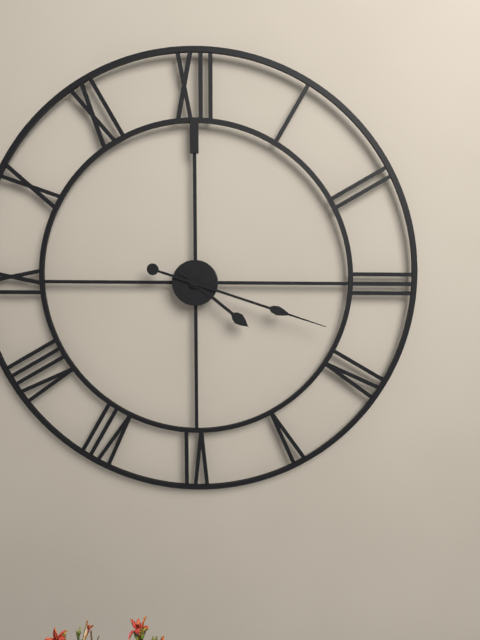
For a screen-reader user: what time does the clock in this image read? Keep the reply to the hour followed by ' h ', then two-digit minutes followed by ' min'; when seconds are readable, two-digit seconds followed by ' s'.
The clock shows 4 h 18 min
